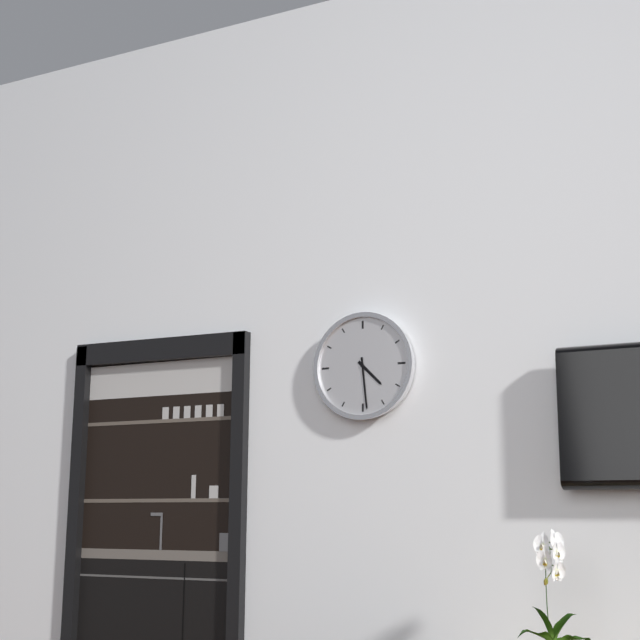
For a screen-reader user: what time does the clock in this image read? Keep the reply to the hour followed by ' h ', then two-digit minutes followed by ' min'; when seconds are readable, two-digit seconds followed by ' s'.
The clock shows 4 h 29 min
